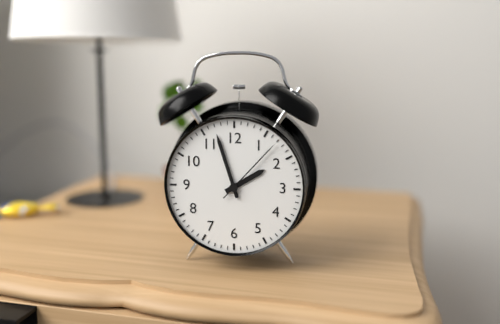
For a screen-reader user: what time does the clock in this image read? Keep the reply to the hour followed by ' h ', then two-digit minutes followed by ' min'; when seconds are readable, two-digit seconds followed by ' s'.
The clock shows 1 h 57 min 07 s
